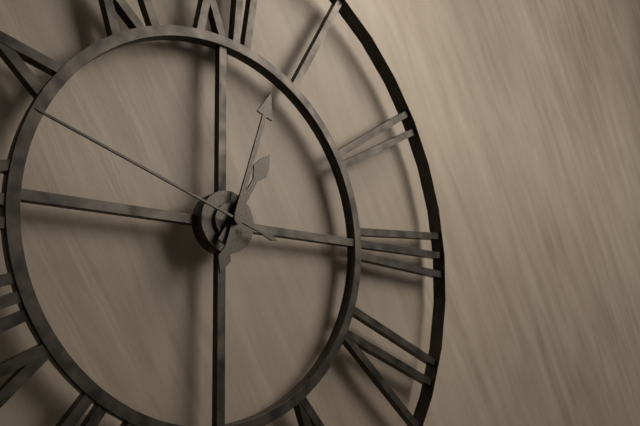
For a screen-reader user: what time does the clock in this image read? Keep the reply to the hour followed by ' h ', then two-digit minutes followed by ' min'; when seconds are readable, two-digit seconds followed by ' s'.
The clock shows 1 h 03 min 48 s
